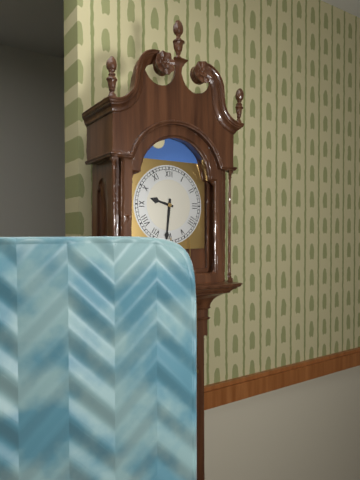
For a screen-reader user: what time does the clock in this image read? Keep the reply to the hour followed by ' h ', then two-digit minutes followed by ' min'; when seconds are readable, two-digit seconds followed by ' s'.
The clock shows 9 h 31 min
